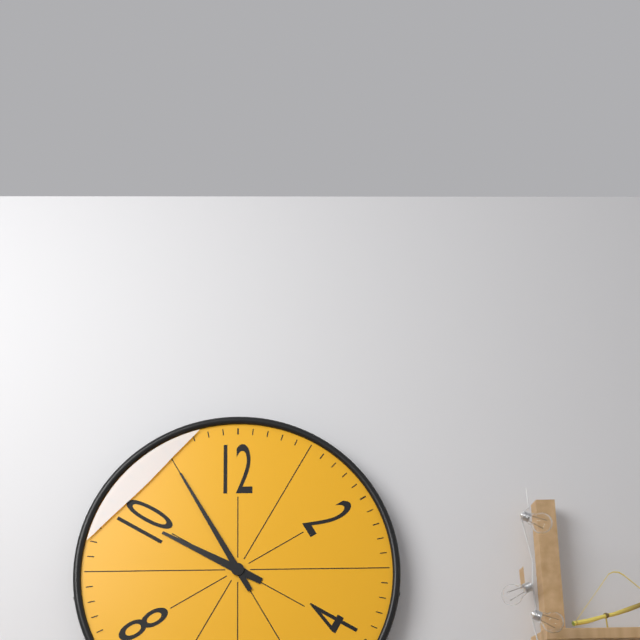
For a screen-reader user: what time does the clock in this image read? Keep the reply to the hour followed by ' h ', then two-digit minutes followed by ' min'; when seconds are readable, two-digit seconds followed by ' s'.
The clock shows 9 h 55 min
